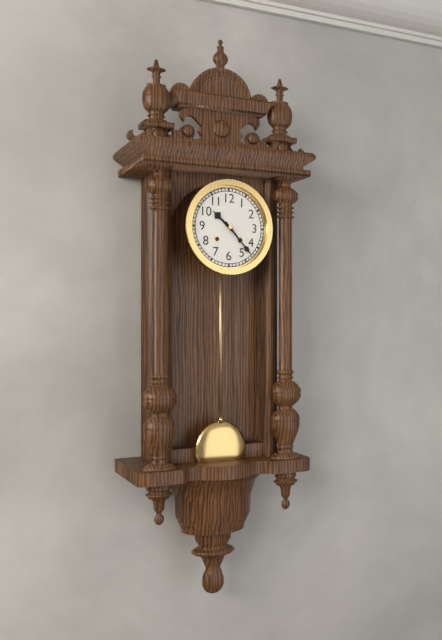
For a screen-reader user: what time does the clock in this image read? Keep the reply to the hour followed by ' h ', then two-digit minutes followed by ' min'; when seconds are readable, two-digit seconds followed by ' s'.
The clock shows 10 h 23 min
